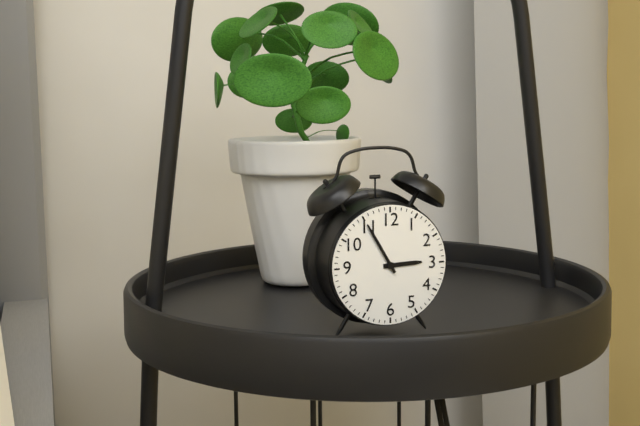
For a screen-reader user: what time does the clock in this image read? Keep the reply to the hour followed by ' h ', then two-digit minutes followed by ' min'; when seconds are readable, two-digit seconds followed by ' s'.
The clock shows 2 h 55 min
